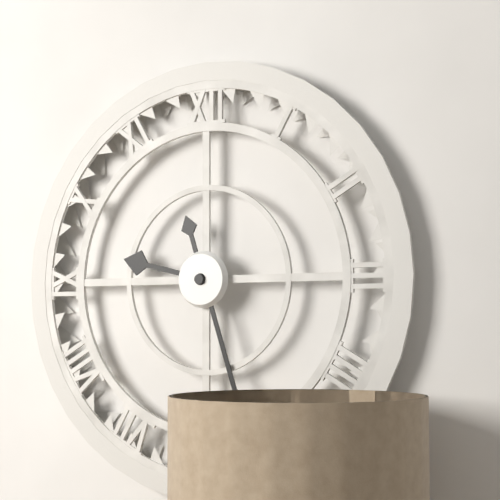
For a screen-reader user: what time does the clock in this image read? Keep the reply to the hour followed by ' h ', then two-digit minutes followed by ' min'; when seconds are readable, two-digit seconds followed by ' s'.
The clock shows 9 h 27 min
